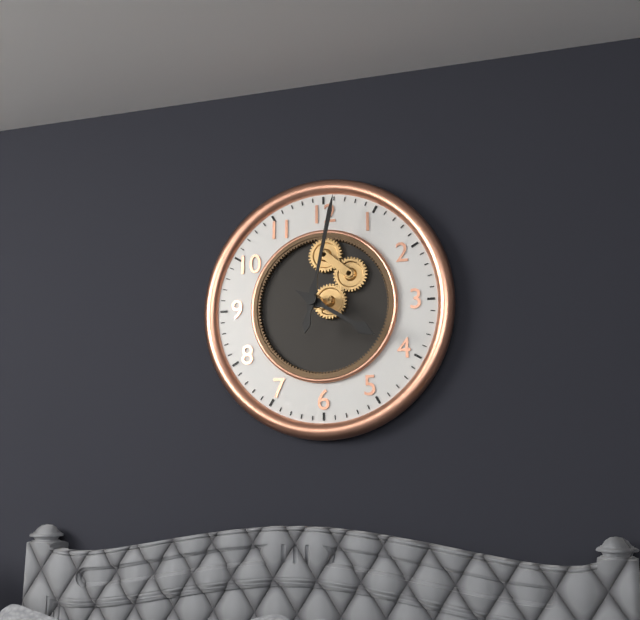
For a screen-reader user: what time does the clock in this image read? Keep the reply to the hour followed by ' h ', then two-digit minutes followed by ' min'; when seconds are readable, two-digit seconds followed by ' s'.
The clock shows 4 h 02 min
